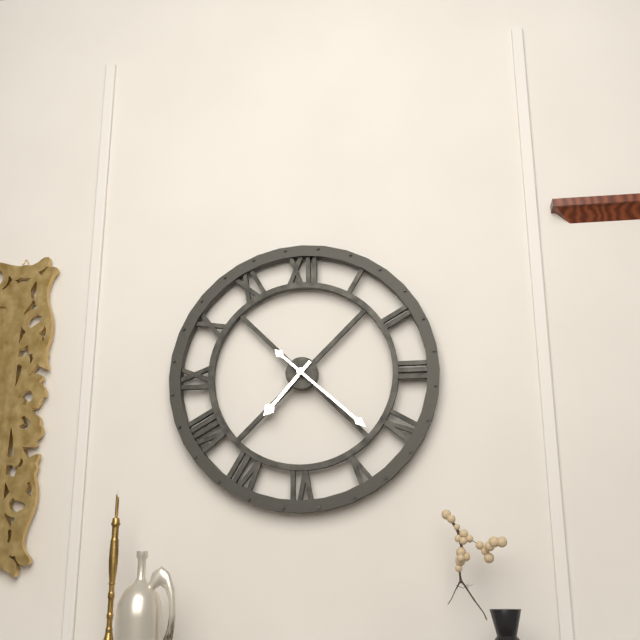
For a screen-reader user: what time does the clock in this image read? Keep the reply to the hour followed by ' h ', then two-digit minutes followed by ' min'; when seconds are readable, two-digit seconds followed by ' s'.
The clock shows 7 h 22 min
